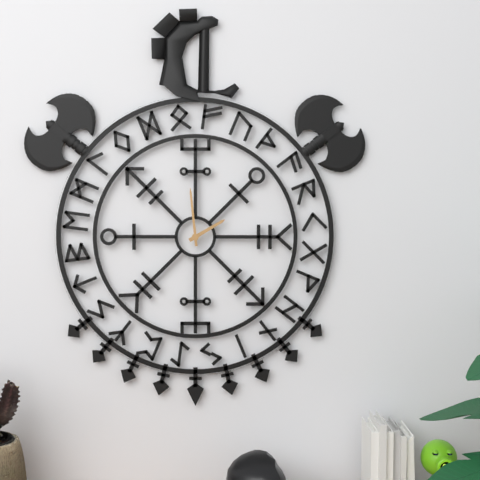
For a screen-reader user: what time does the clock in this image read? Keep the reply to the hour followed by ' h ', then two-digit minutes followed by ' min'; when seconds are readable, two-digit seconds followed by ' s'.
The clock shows 1 h 59 min
